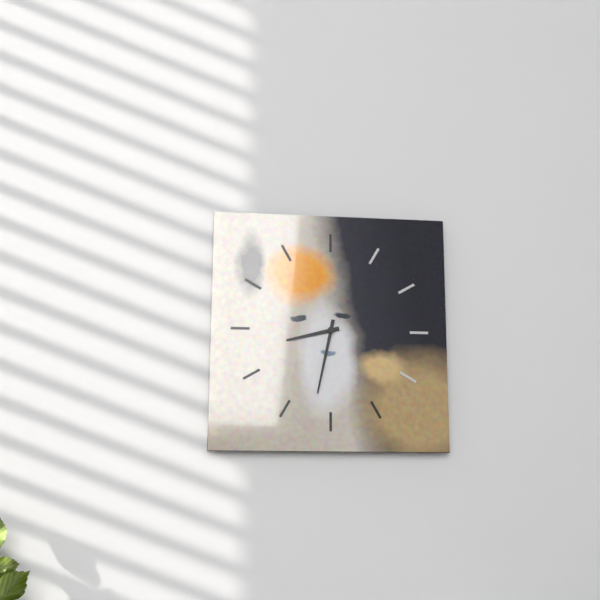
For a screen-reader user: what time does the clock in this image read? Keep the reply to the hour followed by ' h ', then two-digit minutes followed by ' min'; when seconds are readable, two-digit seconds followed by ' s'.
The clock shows 8 h 32 min
